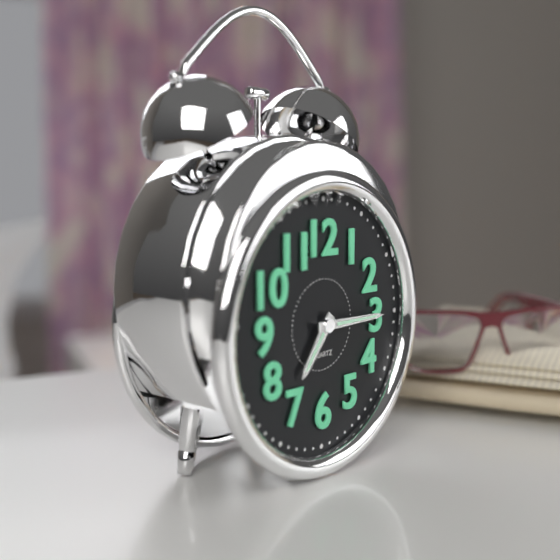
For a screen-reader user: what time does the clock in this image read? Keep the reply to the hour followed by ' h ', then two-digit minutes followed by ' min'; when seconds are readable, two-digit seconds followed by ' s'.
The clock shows 7 h 15 min
